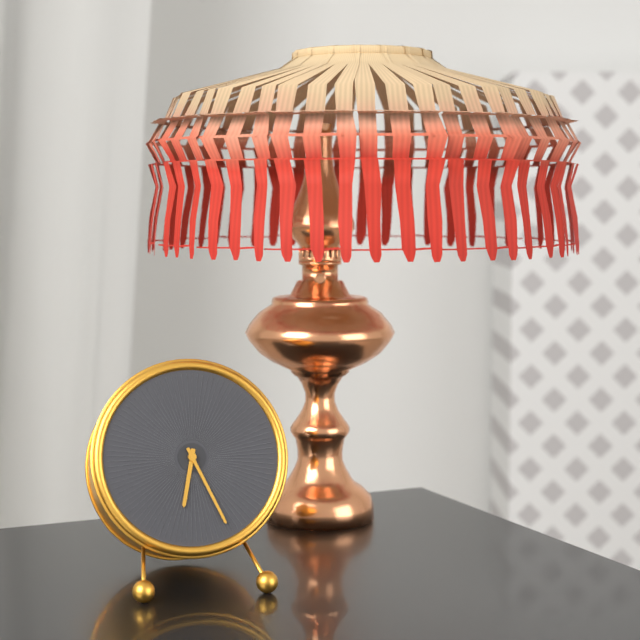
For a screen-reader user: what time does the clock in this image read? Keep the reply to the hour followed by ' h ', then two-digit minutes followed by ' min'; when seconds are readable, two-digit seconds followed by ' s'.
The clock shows 6 h 26 min
